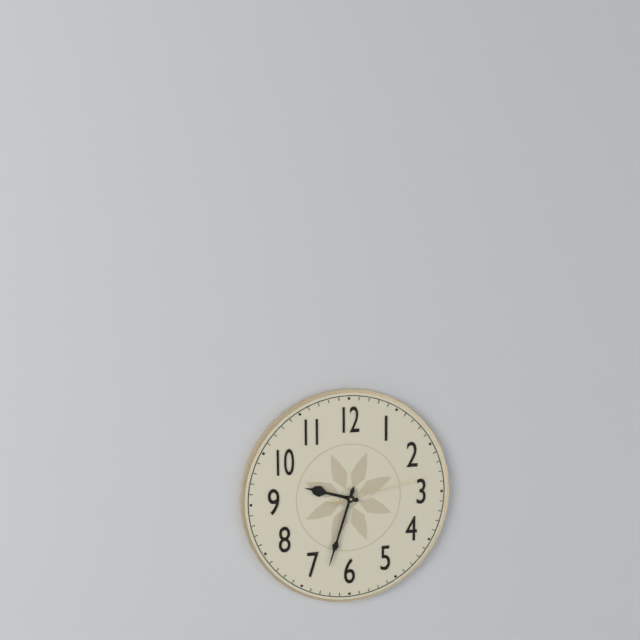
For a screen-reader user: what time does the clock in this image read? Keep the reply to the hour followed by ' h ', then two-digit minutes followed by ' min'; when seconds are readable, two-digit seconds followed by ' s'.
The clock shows 9 h 33 min 13 s
